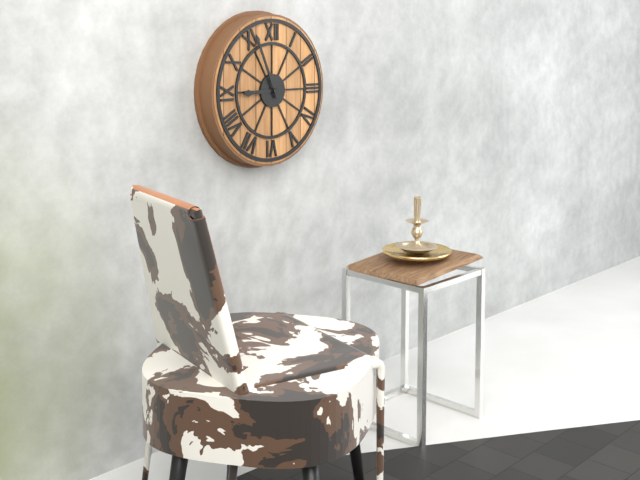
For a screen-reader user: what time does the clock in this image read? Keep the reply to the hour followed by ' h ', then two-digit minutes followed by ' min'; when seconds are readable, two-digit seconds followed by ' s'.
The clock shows 8 h 56 min
